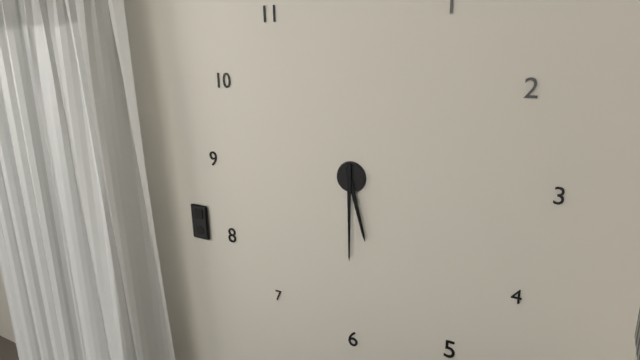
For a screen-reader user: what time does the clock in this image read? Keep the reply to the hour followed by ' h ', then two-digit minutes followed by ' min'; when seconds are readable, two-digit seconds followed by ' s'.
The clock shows 5 h 30 min
